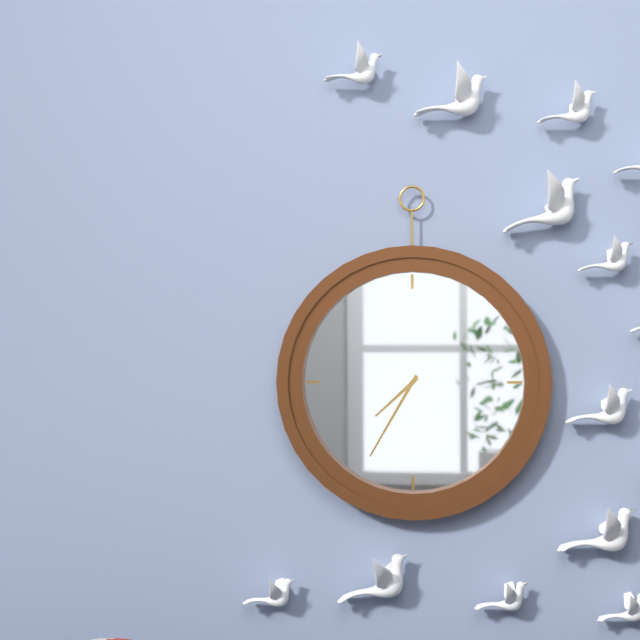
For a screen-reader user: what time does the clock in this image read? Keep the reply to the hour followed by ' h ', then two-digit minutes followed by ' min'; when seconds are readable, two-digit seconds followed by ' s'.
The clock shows 7 h 35 min
